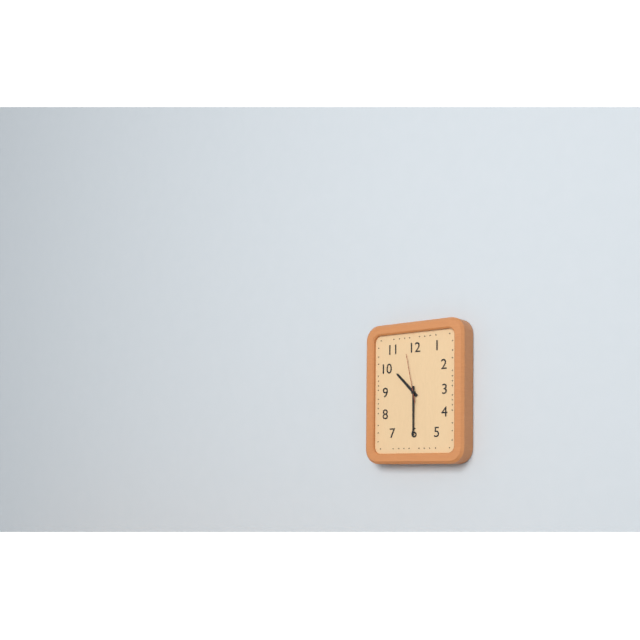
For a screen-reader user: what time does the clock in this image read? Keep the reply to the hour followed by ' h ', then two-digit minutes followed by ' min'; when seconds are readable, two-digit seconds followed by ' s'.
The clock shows 10 h 30 min
